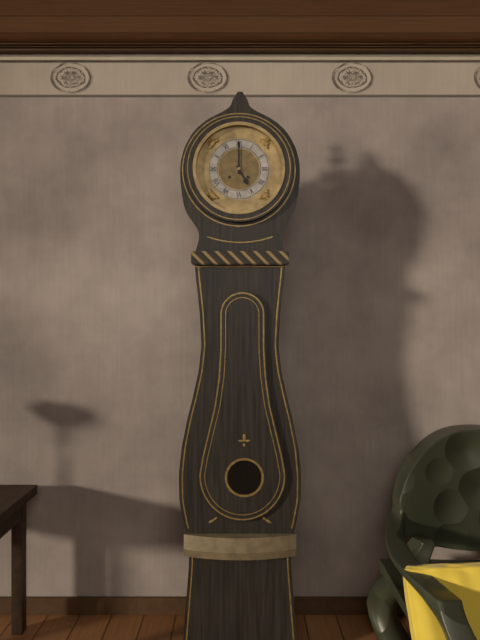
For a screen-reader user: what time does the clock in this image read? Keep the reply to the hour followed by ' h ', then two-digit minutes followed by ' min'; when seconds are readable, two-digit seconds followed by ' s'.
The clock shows 5 h 00 min
